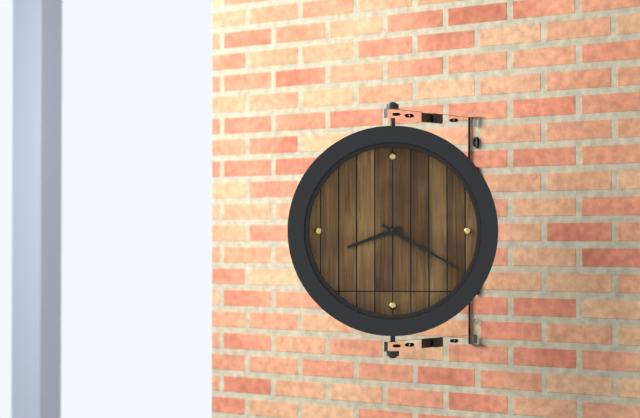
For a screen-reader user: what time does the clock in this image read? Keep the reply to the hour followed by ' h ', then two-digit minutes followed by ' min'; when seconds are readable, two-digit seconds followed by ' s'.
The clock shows 8 h 20 min
